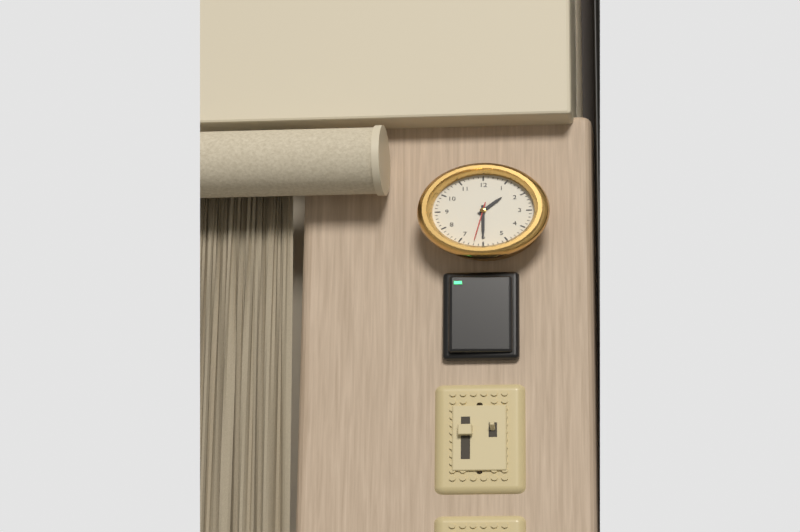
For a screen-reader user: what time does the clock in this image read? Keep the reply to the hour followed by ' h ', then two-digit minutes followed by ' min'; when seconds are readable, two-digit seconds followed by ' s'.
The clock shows 1 h 30 min
